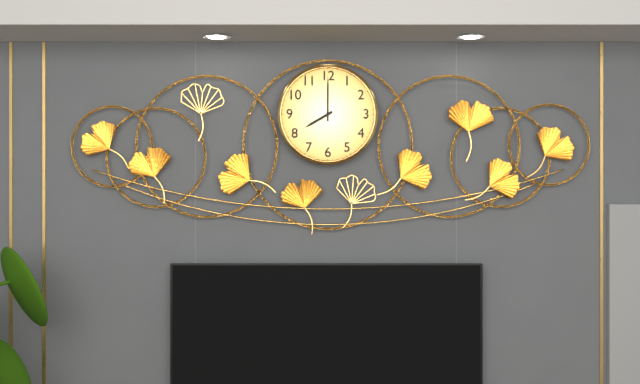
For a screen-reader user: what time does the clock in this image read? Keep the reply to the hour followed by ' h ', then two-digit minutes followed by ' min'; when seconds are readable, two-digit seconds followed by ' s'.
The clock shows 8 h 00 min
